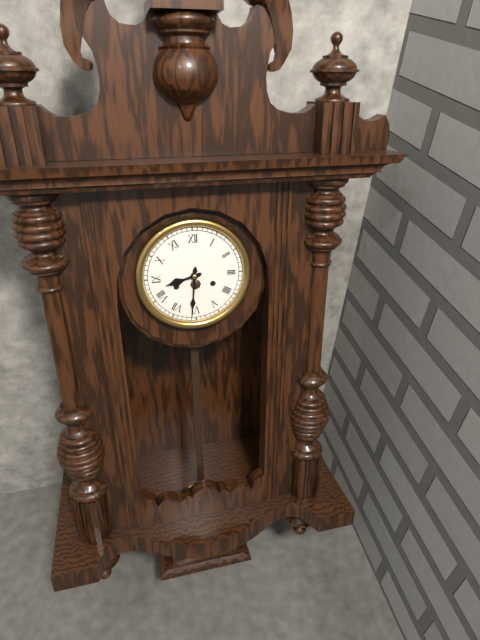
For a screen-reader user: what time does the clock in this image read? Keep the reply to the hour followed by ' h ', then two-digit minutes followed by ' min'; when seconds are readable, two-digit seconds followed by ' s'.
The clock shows 8 h 31 min
